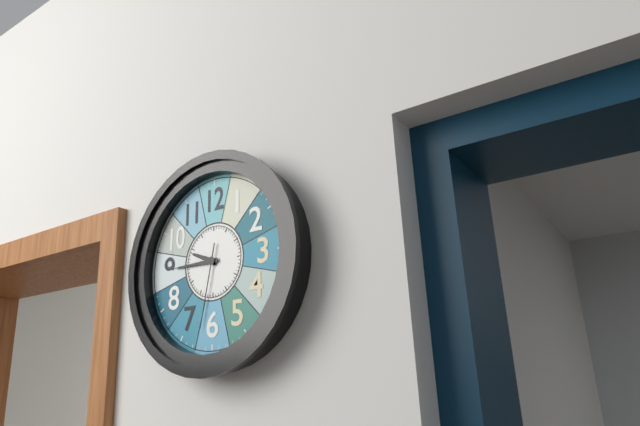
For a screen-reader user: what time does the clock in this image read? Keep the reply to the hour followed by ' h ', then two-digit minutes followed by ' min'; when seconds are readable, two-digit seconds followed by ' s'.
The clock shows 9 h 45 min 32 s
